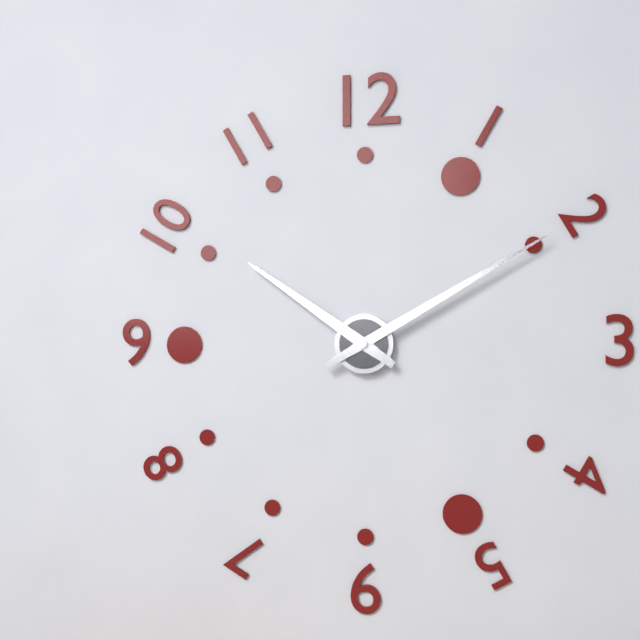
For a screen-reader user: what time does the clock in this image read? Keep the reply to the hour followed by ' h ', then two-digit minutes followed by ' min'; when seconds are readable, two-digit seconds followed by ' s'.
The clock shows 10 h 10 min
